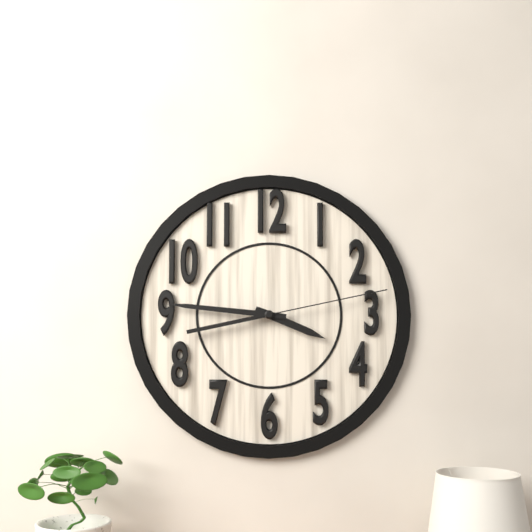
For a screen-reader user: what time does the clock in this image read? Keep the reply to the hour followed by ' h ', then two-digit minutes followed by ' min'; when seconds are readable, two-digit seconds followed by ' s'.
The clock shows 3 h 46 min 13 s
